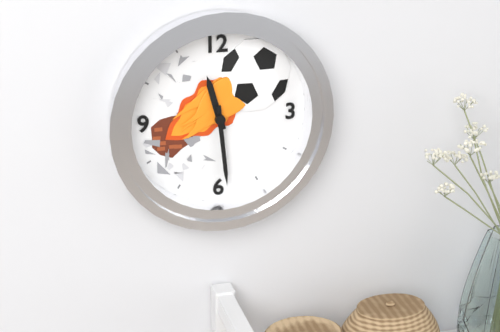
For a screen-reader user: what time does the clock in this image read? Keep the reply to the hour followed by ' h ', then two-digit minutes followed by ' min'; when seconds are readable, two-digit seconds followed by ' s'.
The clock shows 11 h 29 min
